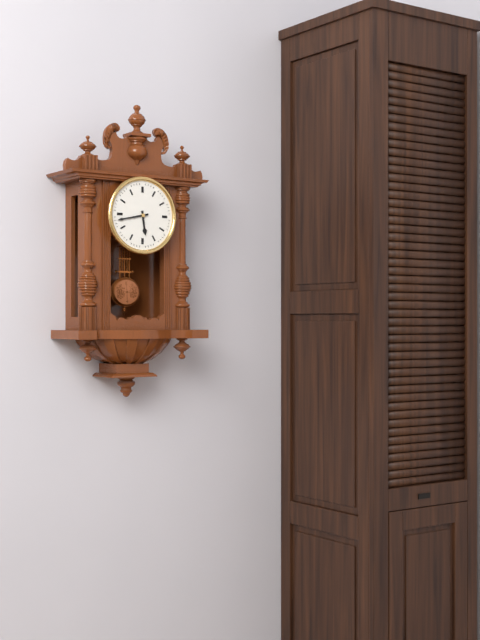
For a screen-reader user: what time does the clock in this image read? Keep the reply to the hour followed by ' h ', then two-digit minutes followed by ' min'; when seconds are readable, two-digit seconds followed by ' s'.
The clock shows 5 h 43 min
